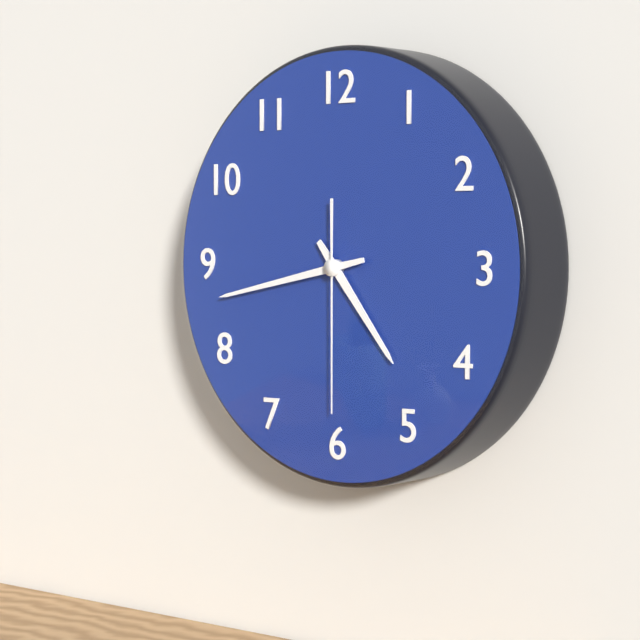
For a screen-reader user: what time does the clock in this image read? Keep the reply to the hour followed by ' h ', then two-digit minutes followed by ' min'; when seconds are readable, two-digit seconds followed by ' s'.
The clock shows 4 h 43 min 30 s
